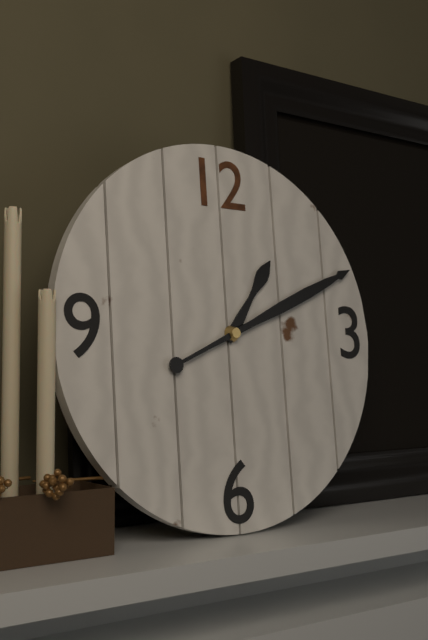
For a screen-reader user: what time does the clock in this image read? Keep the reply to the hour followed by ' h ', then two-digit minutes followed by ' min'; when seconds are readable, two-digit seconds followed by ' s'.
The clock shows 1 h 11 min
